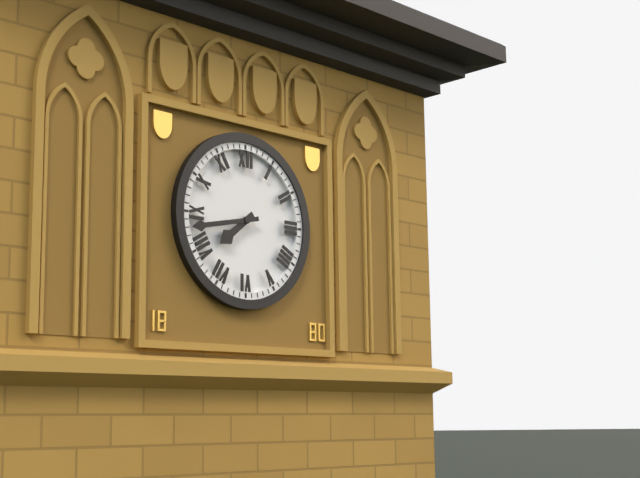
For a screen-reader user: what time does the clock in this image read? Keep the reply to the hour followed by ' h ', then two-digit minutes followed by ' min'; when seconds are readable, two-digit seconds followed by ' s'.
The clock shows 7 h 43 min
